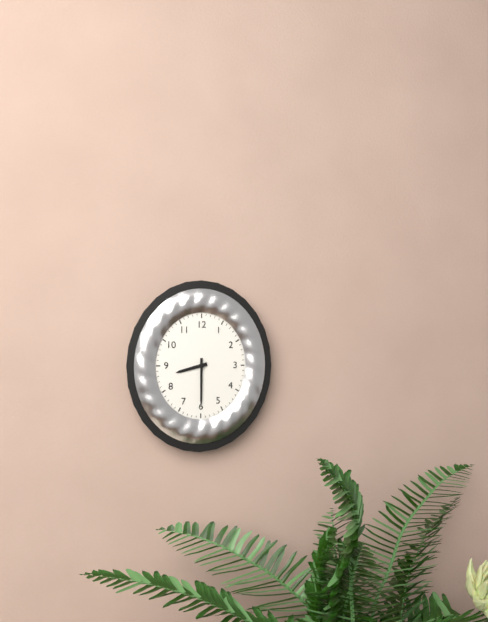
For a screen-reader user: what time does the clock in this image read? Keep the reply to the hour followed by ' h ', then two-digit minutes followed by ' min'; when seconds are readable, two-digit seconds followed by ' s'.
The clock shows 8 h 30 min
